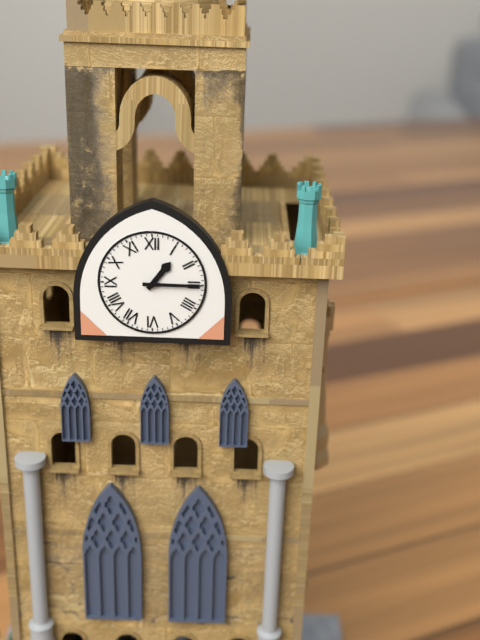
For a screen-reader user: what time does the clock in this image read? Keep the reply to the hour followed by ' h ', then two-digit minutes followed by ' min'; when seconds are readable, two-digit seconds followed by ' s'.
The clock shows 1 h 15 min
